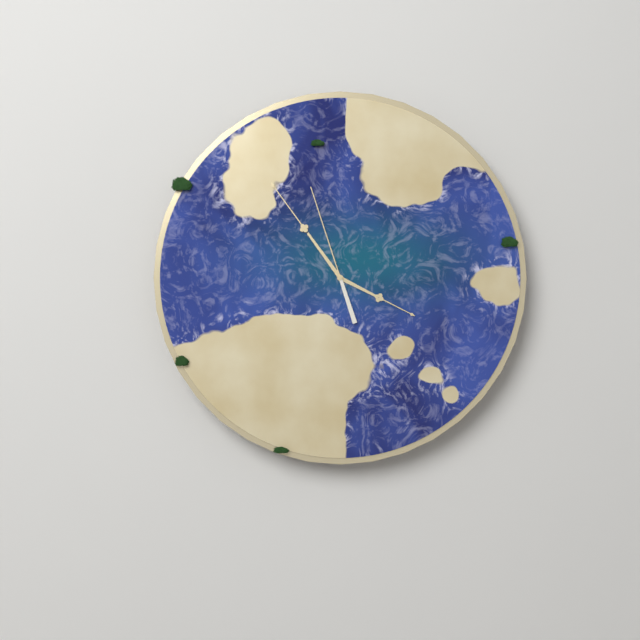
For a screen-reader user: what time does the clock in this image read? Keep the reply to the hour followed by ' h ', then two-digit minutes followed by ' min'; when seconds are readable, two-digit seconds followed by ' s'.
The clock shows 3 h 54 min 57 s
